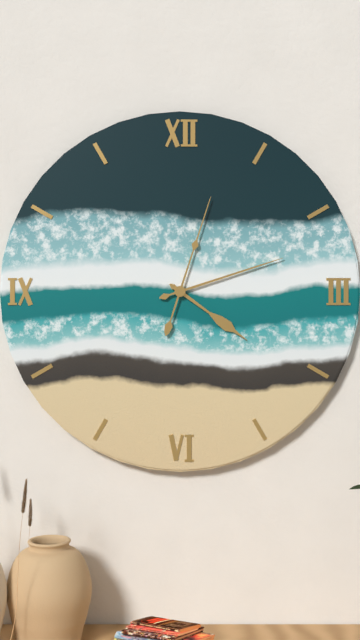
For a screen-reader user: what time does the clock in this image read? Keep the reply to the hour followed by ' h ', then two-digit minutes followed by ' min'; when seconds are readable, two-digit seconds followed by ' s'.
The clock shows 4 h 12 min 03 s
